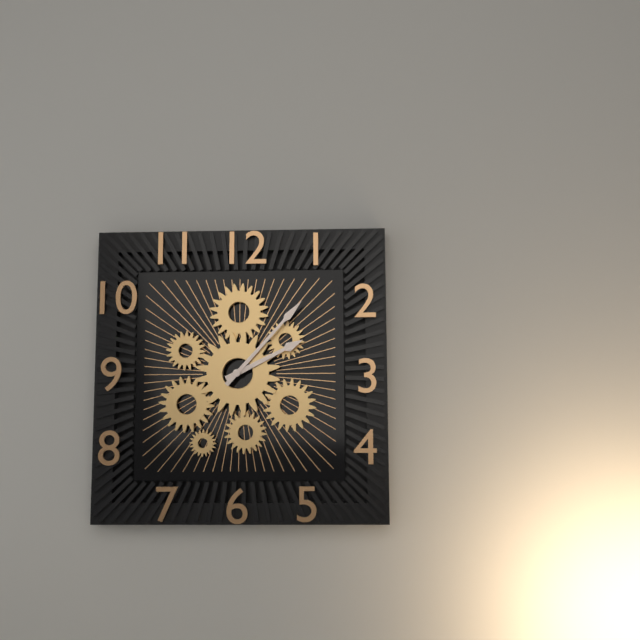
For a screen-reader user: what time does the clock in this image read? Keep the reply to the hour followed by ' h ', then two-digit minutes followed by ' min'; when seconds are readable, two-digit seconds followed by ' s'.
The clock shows 2 h 07 min
